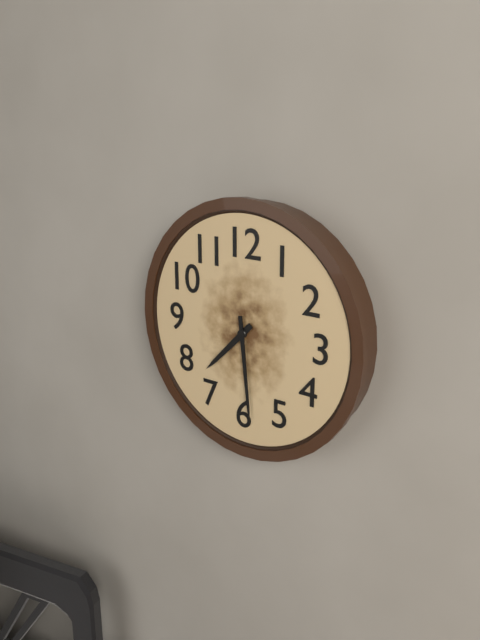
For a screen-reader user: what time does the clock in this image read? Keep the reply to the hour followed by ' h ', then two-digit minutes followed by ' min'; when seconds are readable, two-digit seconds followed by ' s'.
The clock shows 7 h 29 min
